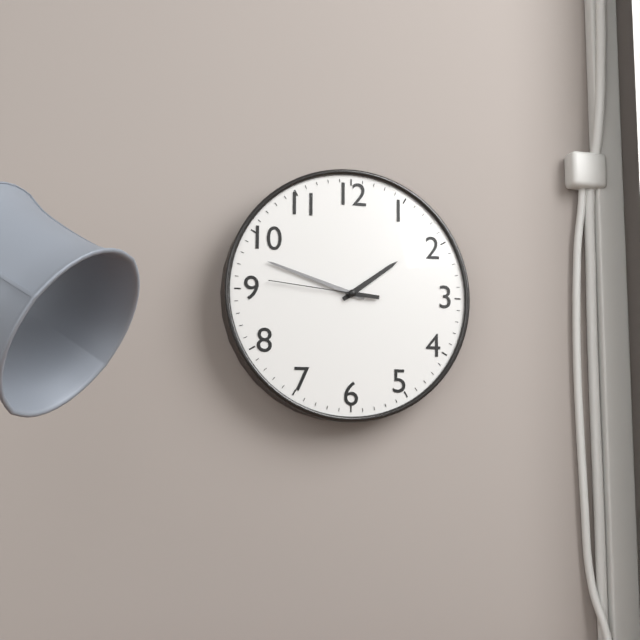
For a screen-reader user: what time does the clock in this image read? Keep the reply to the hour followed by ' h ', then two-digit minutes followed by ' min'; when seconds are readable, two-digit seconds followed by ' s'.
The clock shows 1 h 48 min 46 s
